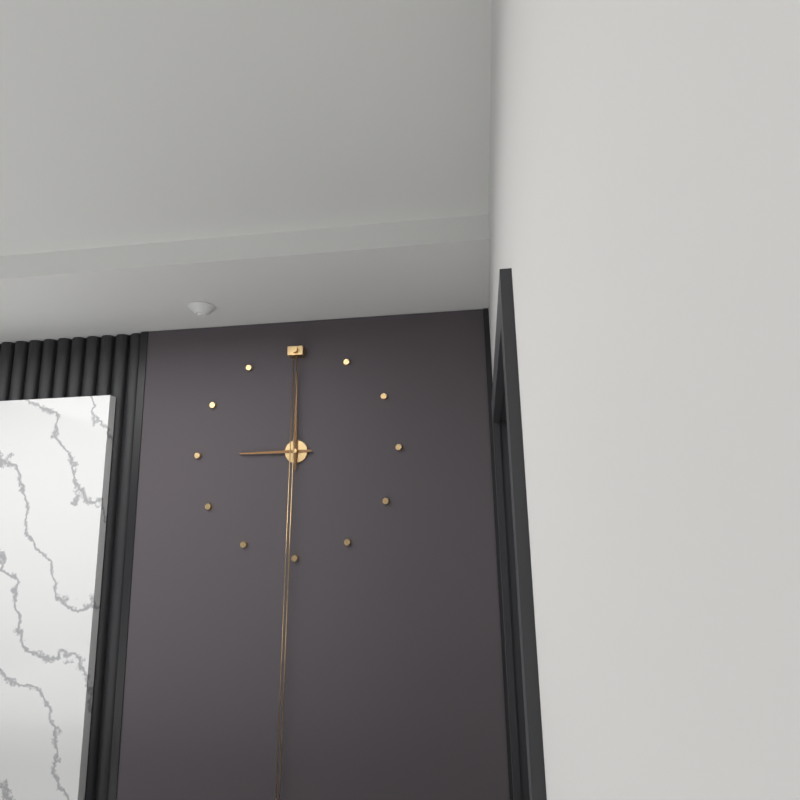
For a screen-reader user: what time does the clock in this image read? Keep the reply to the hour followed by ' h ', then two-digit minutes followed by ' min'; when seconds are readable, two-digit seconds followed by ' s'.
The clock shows 9 h 00 min
